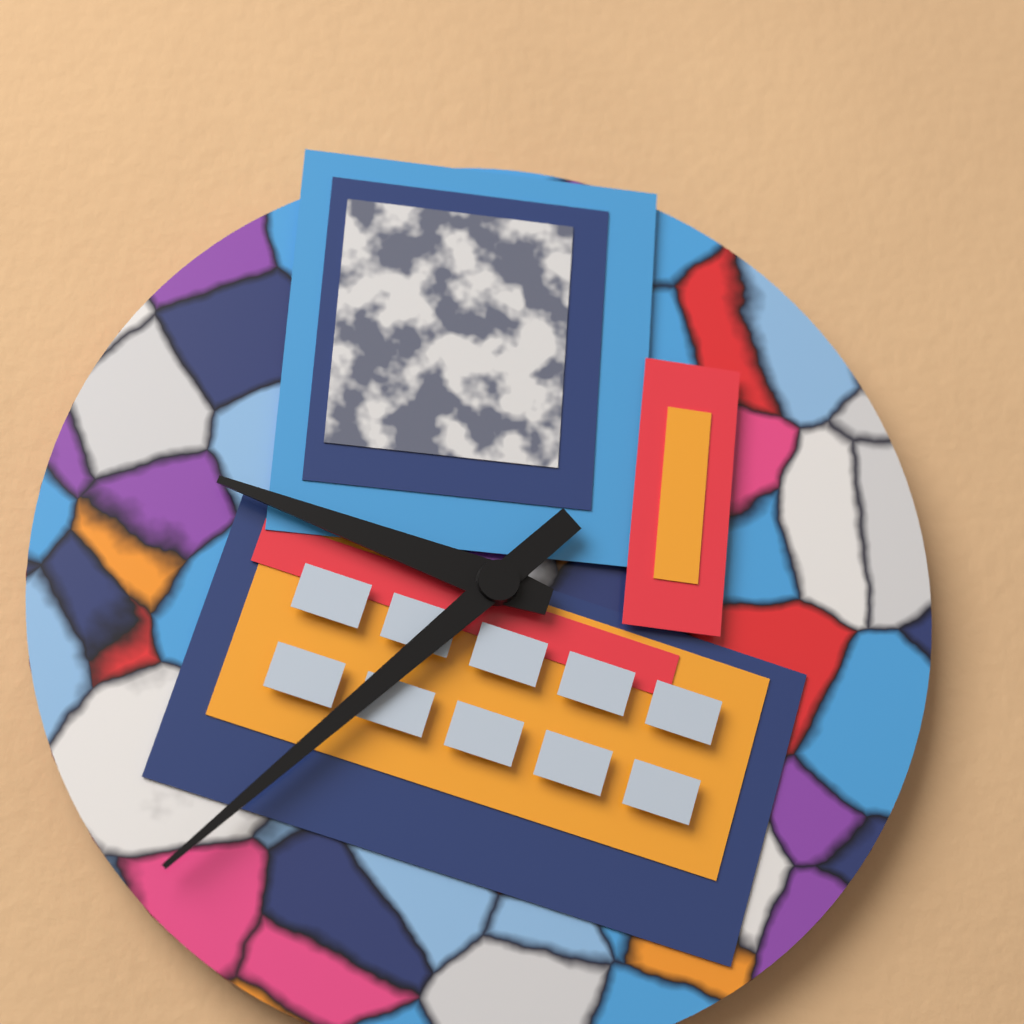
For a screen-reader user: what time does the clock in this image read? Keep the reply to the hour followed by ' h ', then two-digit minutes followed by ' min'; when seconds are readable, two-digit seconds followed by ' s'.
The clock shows 9 h 38 min
